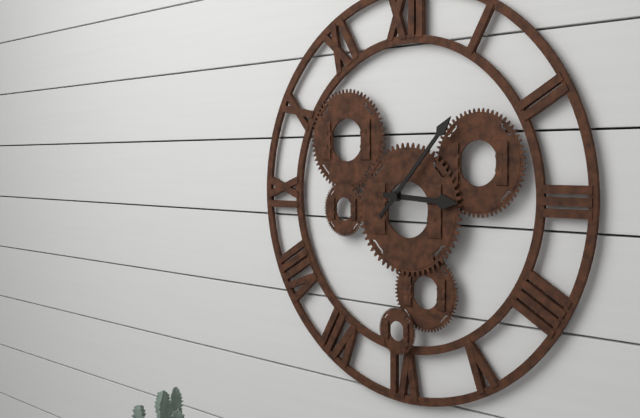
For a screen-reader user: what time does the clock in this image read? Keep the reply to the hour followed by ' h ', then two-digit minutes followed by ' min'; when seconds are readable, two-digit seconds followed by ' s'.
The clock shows 3 h 07 min
